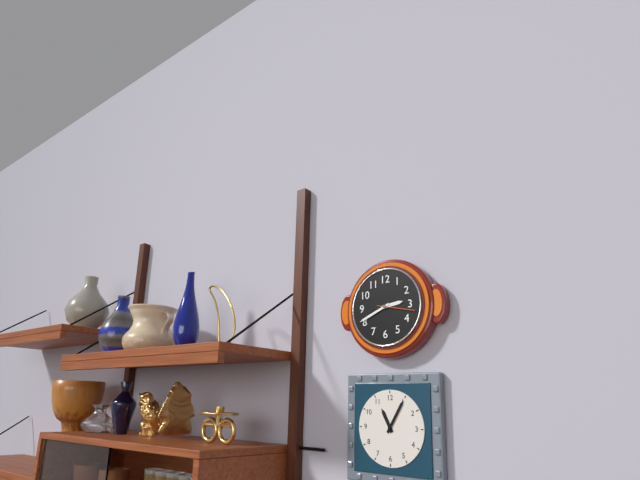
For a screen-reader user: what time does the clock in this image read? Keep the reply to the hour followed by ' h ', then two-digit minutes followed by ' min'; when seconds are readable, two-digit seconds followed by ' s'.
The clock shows 2 h 41 min
